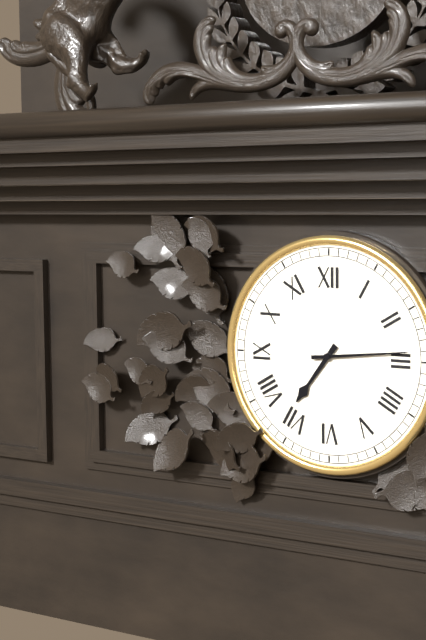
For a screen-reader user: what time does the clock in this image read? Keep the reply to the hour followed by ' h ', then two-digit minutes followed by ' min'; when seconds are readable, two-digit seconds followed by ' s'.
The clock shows 7 h 14 min
